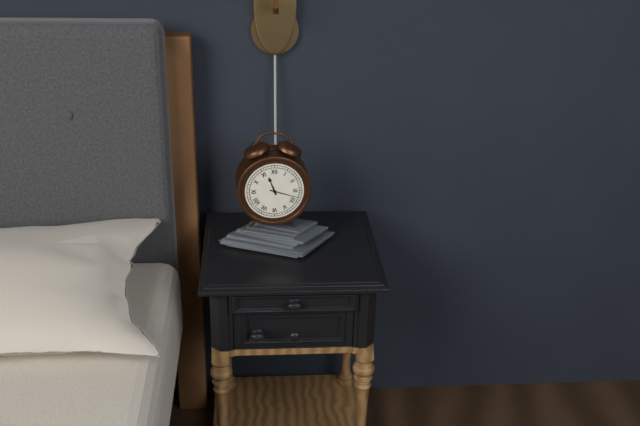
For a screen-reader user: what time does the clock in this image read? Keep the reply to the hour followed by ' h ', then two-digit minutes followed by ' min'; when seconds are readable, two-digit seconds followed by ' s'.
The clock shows 11 h 18 min
